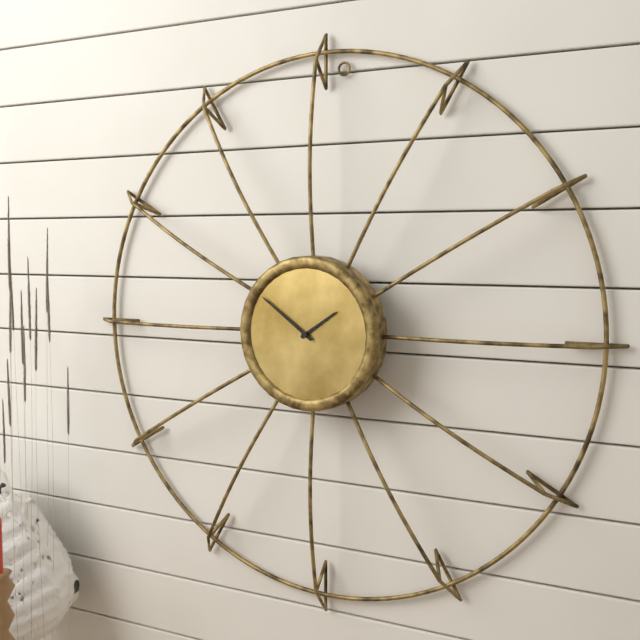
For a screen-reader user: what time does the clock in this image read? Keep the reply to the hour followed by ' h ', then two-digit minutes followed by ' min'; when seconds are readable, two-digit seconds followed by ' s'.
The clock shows 1 h 51 min
